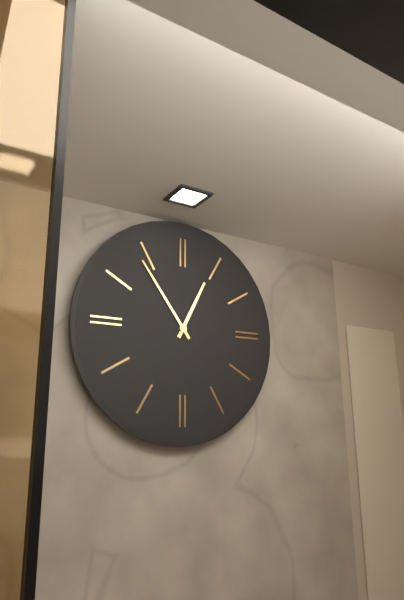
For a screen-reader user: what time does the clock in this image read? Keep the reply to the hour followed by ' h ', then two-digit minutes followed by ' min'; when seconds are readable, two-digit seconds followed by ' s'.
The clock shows 12 h 54 min
